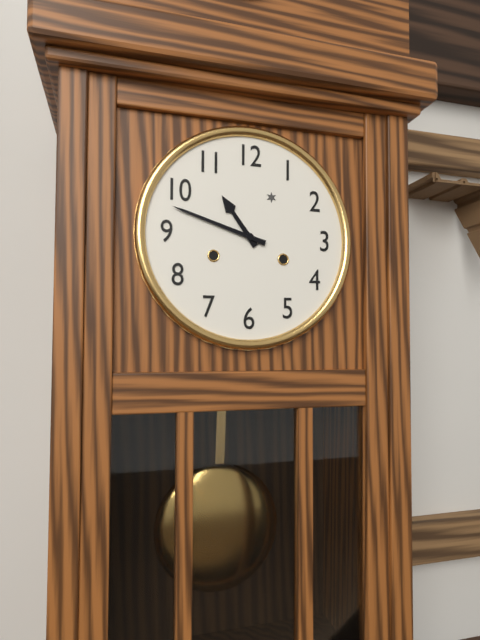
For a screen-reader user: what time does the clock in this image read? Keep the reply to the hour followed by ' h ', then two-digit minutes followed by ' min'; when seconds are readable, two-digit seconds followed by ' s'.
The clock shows 10 h 48 min
